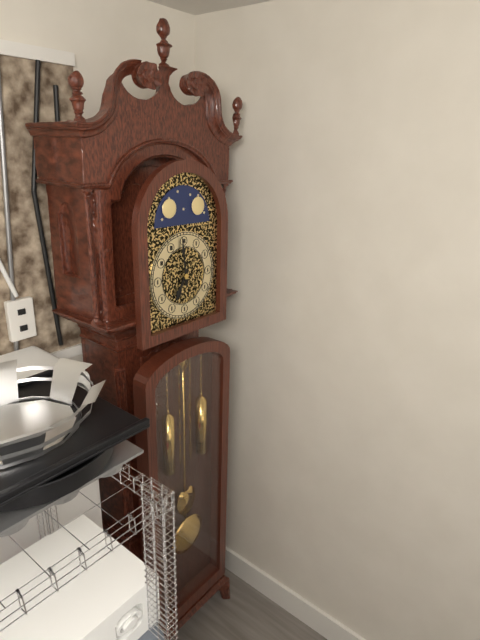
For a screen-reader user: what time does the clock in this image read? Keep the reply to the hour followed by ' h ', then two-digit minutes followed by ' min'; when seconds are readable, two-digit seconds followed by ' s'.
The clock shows 6 h 59 min
